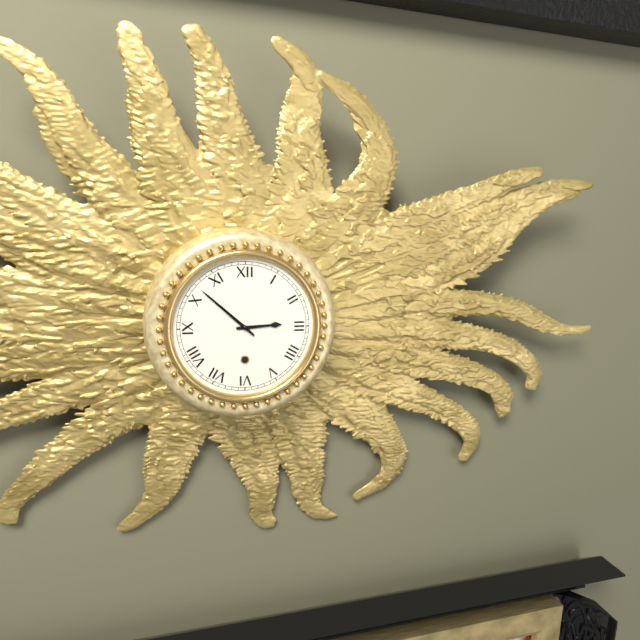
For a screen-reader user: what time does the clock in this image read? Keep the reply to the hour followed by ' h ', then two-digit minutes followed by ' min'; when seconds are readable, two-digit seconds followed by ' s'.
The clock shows 2 h 52 min
